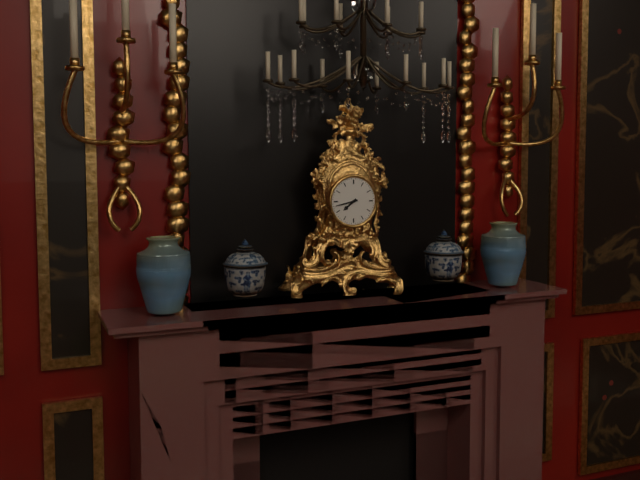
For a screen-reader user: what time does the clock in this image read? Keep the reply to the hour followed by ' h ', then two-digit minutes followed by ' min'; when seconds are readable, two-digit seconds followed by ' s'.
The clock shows 7 h 43 min
